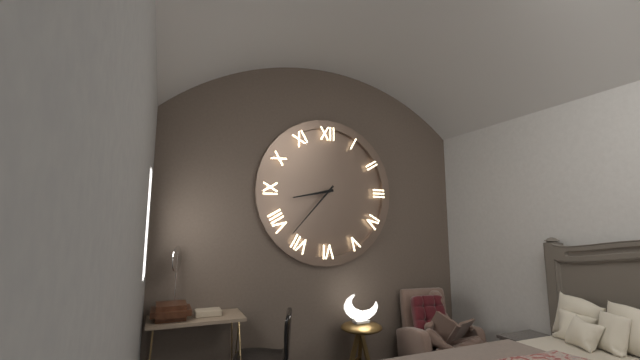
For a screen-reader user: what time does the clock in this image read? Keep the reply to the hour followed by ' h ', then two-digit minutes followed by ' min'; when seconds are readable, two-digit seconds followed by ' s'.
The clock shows 8 h 37 min
